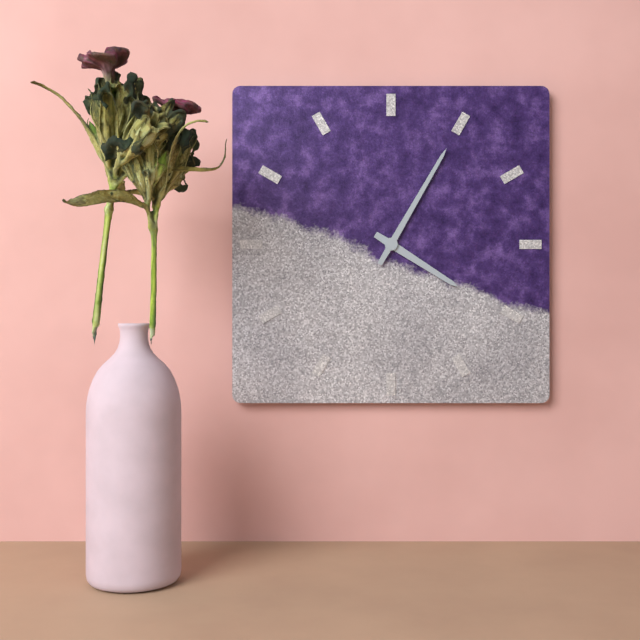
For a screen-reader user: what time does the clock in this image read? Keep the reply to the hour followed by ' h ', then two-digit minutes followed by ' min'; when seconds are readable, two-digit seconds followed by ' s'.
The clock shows 4 h 05 min
